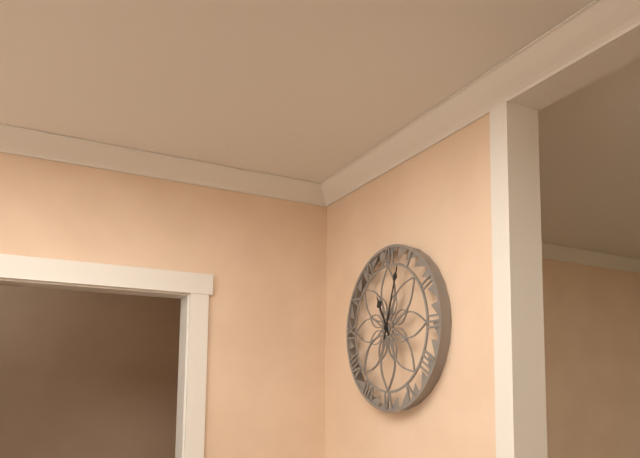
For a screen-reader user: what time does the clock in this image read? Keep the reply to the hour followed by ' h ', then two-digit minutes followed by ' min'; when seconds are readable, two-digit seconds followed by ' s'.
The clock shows 11 h 03 min
